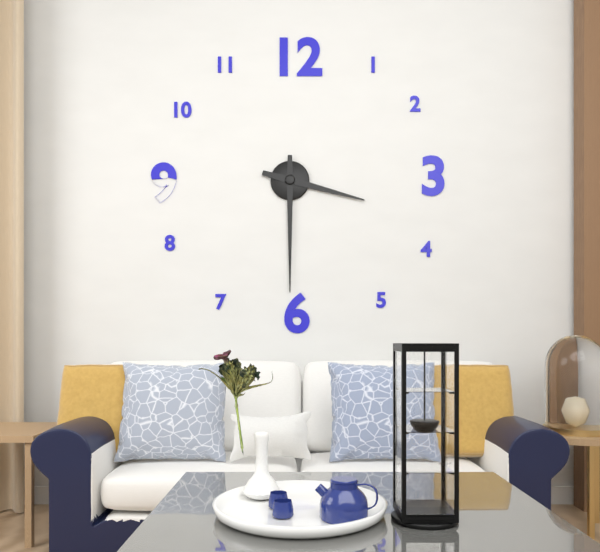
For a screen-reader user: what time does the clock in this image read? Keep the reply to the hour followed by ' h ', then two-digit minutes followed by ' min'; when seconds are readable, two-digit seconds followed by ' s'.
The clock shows 3 h 30 min
